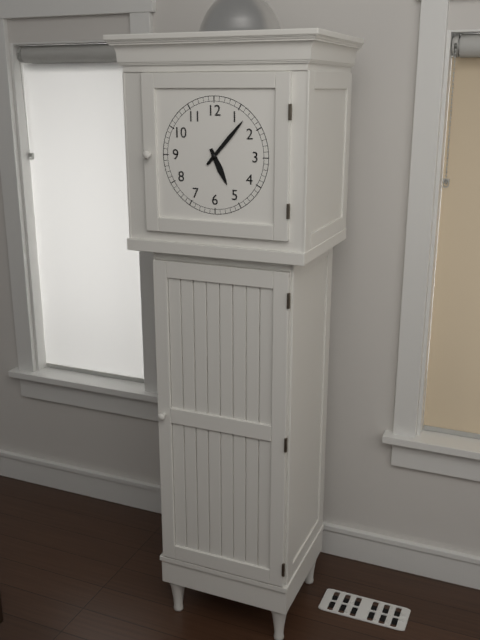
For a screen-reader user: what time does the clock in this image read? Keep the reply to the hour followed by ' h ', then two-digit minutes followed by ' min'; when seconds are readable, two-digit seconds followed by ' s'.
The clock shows 5 h 07 min
